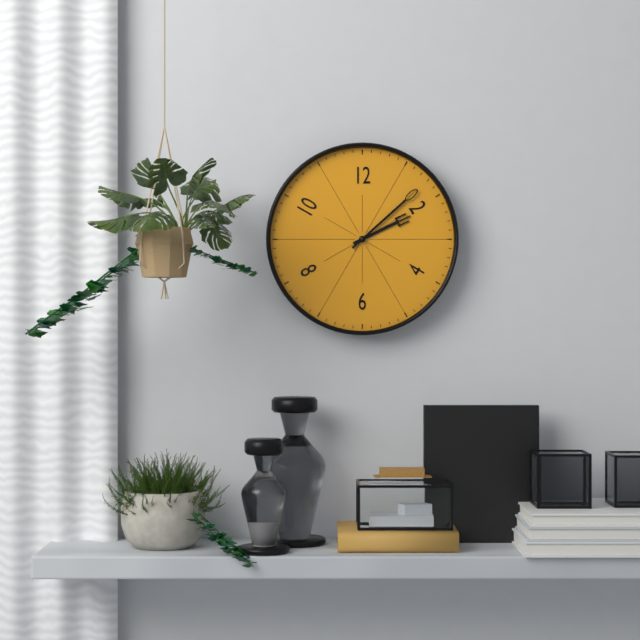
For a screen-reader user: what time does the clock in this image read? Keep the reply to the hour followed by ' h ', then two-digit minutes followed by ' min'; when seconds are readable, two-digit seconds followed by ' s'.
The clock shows 2 h 08 min
